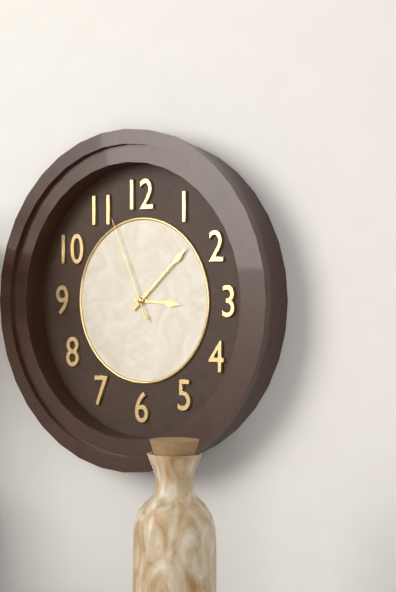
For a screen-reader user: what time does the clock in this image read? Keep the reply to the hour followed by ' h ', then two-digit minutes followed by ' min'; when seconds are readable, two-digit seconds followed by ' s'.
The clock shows 3 h 08 min 56 s
